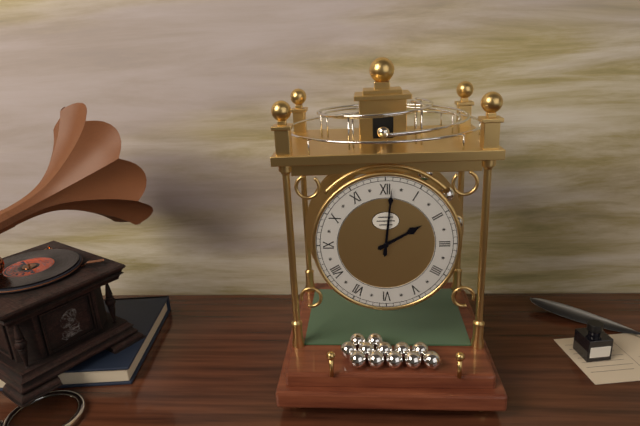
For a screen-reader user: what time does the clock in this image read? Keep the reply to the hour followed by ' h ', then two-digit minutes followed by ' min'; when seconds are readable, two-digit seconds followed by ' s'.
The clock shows 2 h 01 min
